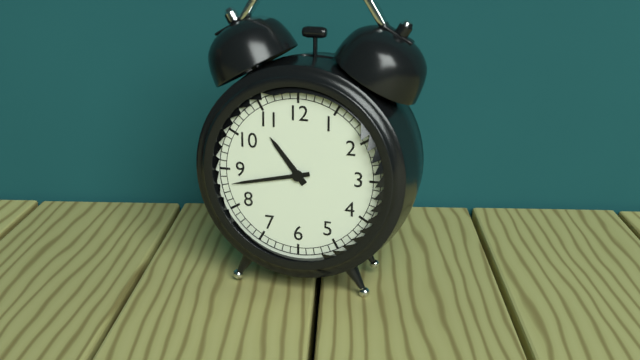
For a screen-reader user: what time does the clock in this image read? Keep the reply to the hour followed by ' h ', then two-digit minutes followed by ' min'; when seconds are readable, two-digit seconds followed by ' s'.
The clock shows 10 h 43 min
